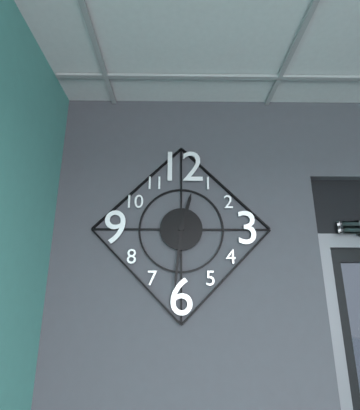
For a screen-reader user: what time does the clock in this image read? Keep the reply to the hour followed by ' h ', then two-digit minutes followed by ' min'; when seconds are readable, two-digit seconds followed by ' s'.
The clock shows 12 h 31 min
